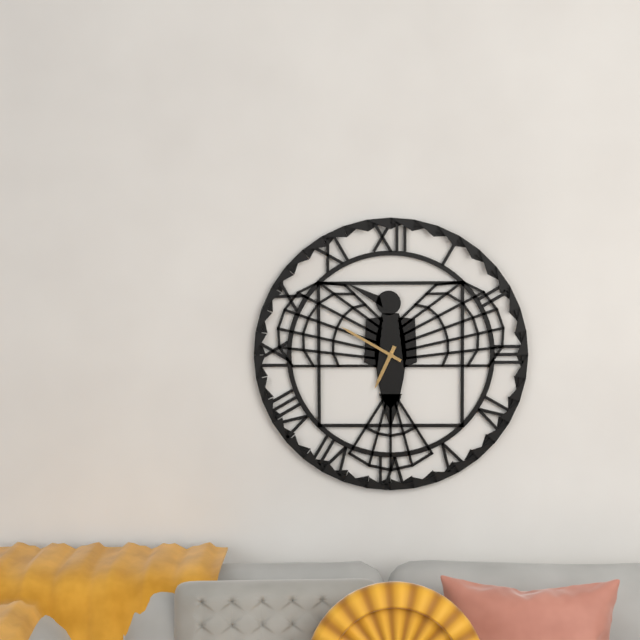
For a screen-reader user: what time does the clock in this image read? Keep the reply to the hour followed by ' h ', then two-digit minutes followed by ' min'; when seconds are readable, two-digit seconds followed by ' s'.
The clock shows 6 h 50 min
